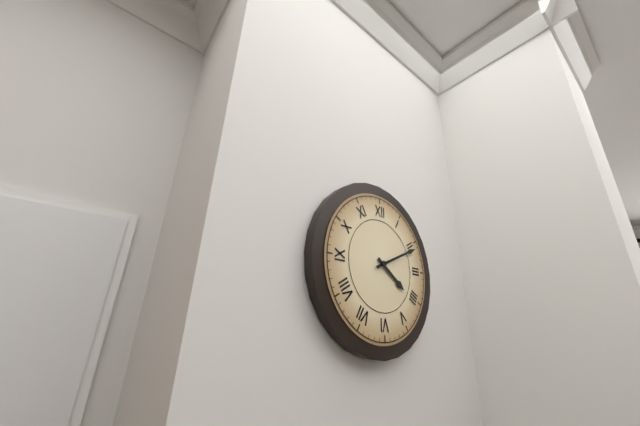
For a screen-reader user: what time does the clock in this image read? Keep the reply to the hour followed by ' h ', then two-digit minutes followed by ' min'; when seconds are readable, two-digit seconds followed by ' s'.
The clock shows 4 h 11 min
